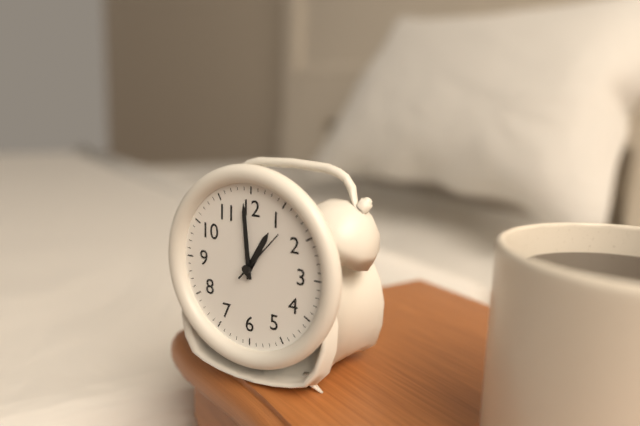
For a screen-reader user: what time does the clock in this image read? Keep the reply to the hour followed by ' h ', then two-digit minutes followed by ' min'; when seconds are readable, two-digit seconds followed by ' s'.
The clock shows 12 h 59 min 07 s
